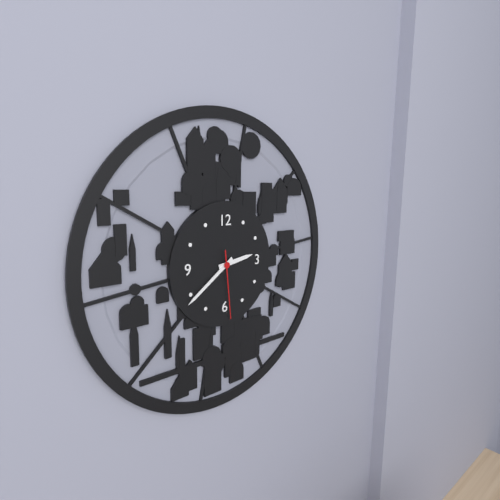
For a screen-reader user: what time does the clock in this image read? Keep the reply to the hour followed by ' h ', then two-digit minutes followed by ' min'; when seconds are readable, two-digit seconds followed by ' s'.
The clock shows 2 h 39 min 29 s
